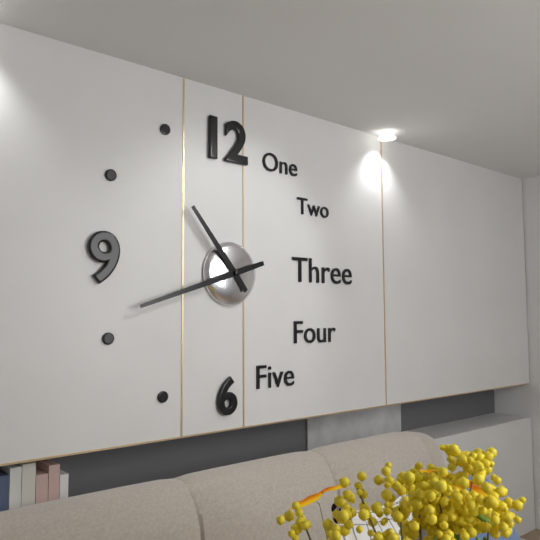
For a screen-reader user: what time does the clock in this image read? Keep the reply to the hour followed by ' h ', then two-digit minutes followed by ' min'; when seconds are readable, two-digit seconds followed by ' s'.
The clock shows 10 h 42 min
